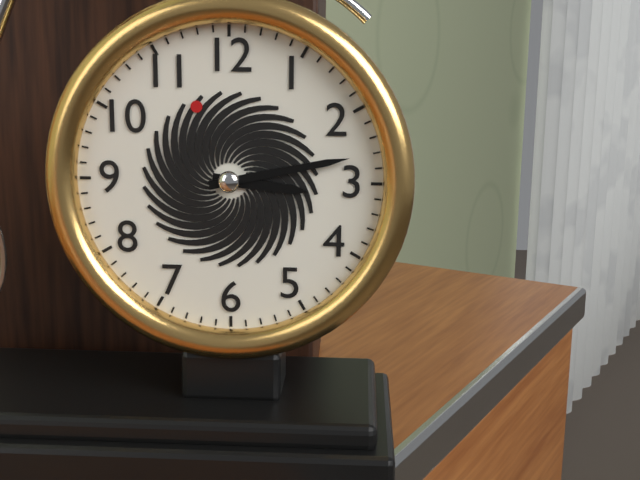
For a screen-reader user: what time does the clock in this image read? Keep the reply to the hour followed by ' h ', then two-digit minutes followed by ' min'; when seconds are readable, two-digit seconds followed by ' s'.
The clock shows 3 h 13 min
